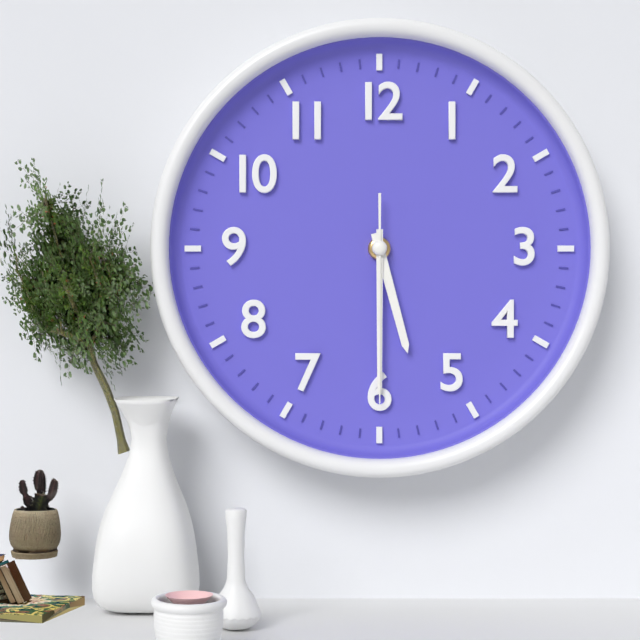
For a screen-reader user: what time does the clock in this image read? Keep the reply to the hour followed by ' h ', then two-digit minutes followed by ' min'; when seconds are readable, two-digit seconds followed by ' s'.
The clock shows 5 h 30 min 30 s
